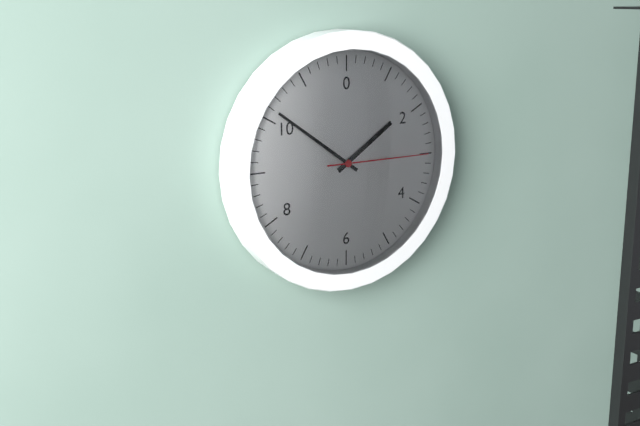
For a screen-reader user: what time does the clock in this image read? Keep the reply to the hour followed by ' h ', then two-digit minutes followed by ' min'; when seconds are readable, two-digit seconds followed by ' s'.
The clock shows 1 h 51 min 15 s
